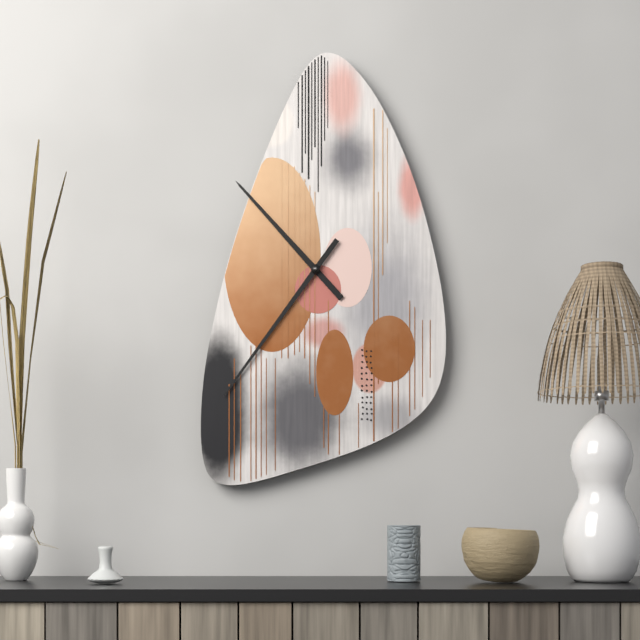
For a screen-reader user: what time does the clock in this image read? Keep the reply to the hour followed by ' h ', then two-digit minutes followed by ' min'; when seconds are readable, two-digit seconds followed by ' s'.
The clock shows 10 h 36 min
